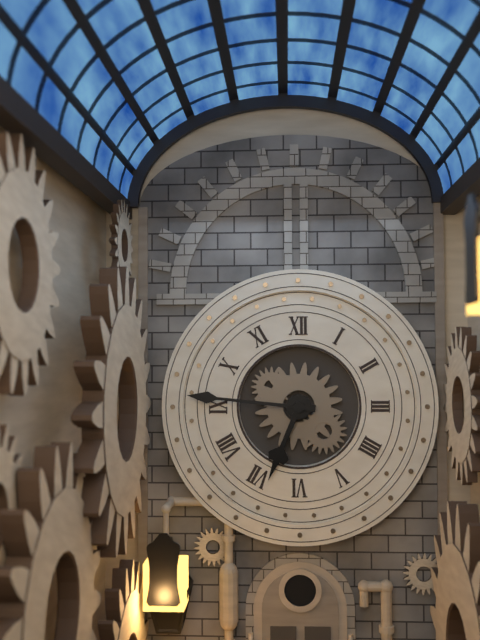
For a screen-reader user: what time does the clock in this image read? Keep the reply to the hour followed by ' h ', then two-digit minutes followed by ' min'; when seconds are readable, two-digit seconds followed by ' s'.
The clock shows 6 h 46 min
